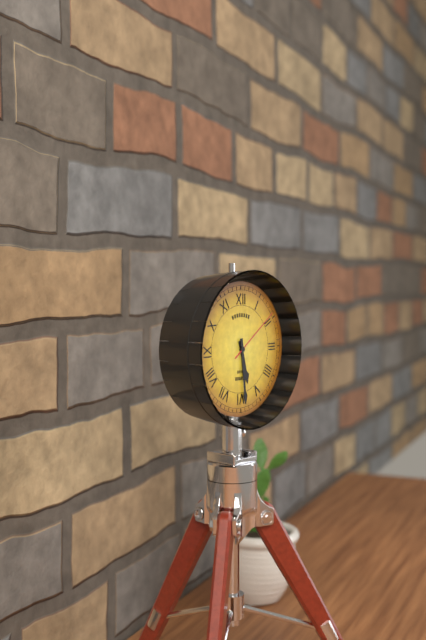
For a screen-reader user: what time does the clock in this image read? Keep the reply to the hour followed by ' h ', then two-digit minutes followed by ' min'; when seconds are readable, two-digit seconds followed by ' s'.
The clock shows 5 h 29 min 09 s
